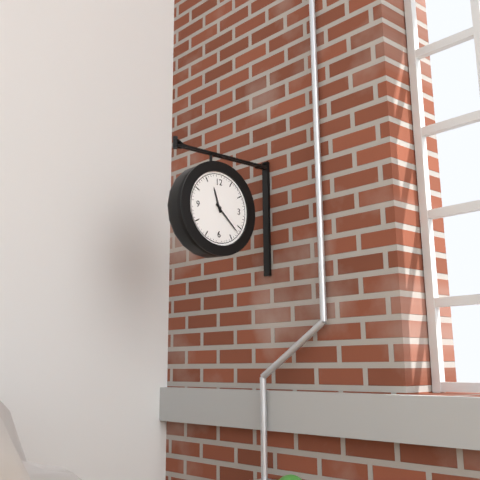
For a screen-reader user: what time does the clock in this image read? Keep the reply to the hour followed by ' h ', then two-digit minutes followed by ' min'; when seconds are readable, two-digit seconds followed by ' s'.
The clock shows 11 h 22 min
